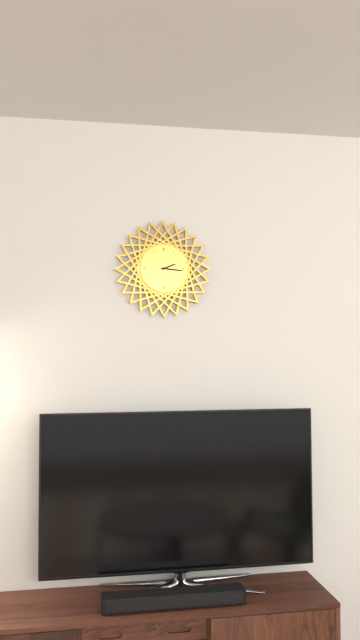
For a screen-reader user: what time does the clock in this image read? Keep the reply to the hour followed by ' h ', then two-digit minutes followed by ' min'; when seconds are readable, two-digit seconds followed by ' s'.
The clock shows 2 h 16 min
